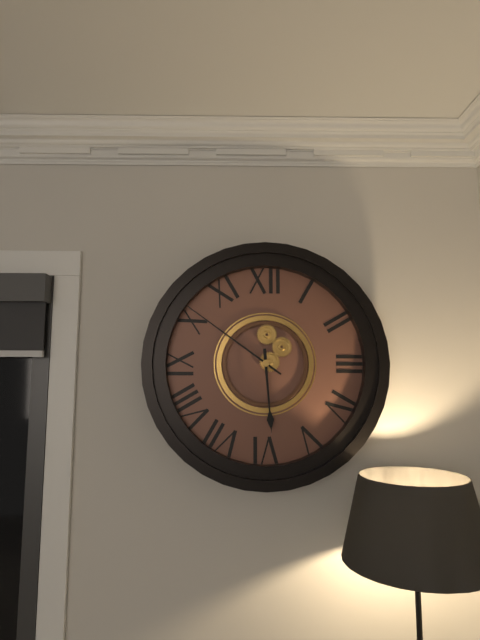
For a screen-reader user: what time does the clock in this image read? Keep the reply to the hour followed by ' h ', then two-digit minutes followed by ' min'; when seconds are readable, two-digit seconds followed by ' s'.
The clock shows 5 h 51 min
